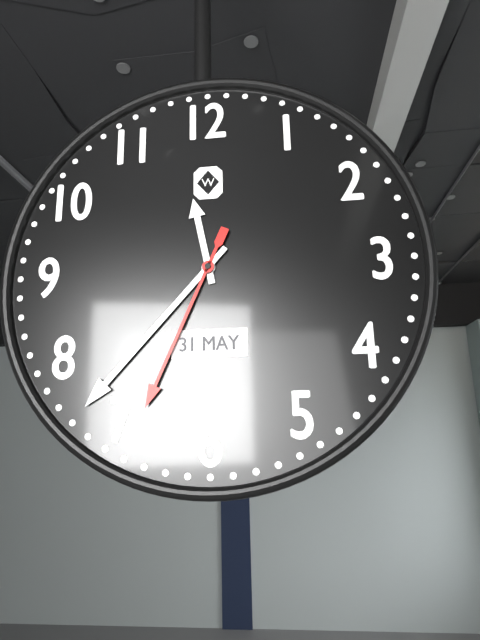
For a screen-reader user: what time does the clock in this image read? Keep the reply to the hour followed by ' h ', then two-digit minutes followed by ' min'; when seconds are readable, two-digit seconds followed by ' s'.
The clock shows 11 h 37 min 34 s
